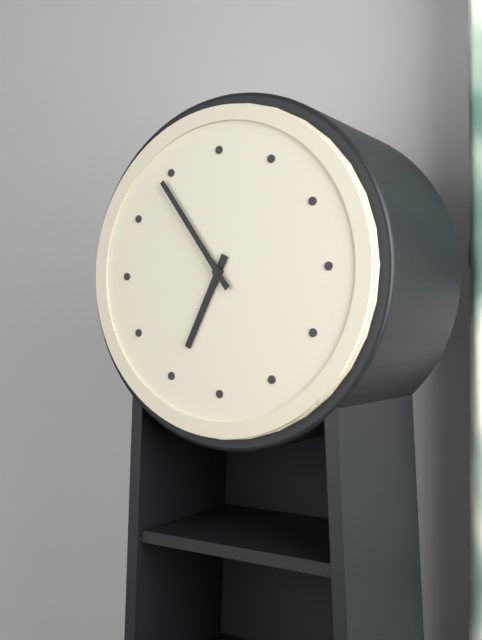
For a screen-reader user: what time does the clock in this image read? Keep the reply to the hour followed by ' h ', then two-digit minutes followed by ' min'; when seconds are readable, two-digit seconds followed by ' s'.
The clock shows 6 h 54 min
